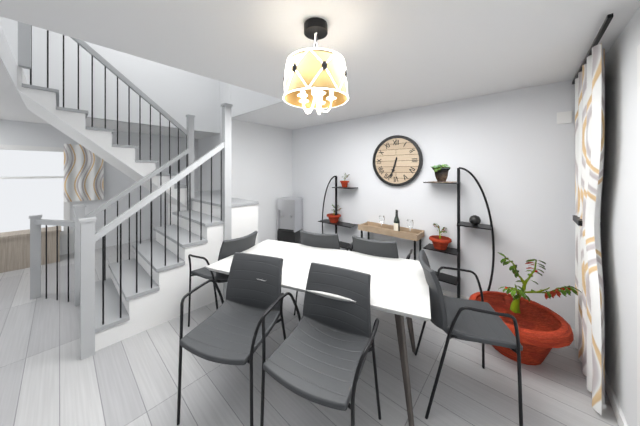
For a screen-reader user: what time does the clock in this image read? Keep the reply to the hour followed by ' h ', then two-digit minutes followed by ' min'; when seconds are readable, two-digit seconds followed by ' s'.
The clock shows 6 h 33 min
